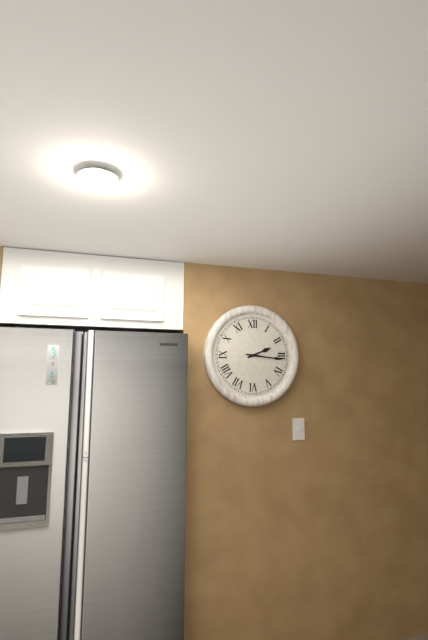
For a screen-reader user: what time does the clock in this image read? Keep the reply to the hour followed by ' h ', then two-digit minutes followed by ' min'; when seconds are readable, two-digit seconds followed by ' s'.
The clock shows 2 h 16 min
